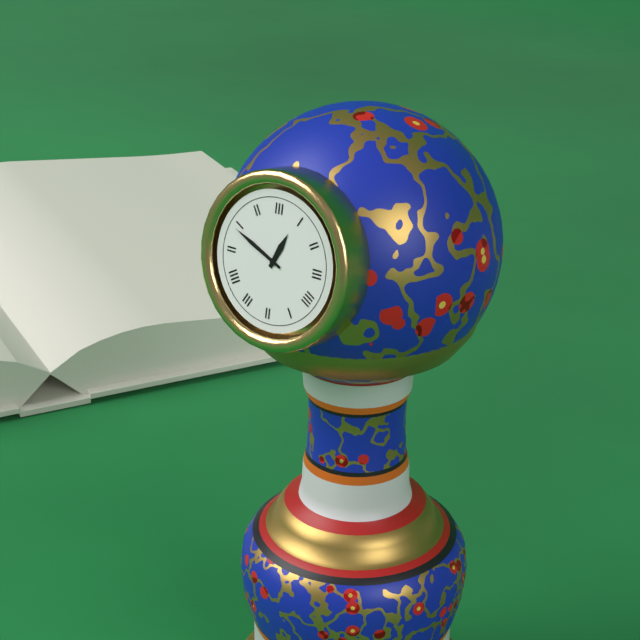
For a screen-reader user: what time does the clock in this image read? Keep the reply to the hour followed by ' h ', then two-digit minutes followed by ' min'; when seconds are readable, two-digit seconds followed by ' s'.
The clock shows 12 h 49 min
